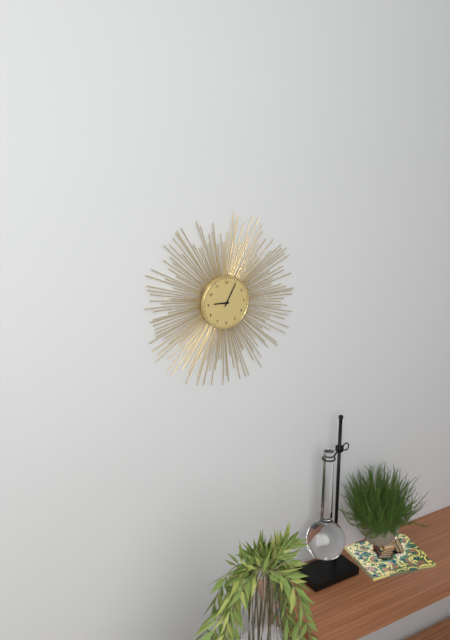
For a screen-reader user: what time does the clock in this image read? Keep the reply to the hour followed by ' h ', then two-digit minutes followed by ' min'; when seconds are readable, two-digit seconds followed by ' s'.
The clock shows 9 h 05 min
